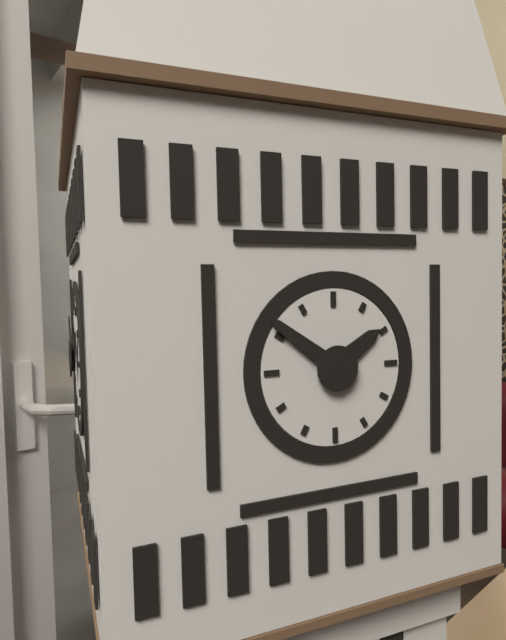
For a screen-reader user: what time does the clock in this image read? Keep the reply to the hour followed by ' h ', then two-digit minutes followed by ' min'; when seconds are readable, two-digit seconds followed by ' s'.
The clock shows 1 h 51 min
